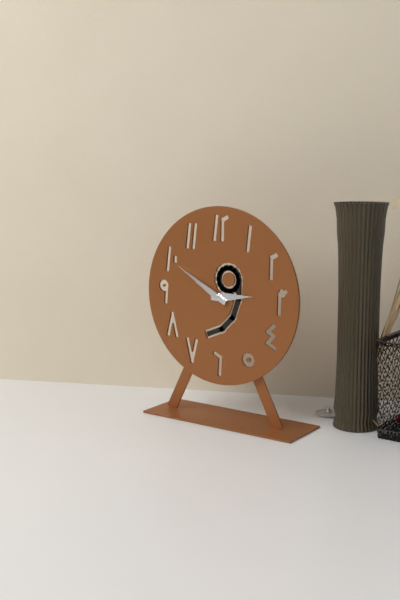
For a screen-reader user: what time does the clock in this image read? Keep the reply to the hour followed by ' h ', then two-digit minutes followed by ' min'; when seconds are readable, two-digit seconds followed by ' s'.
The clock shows 2 h 50 min
